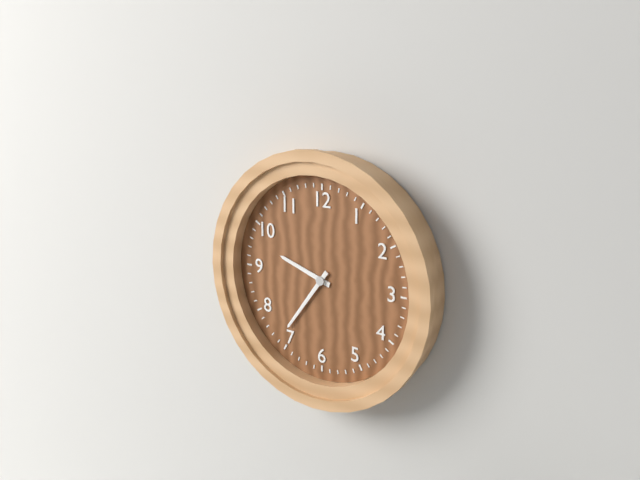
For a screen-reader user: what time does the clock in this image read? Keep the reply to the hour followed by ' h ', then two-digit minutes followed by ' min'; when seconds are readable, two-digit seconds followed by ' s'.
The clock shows 9 h 36 min
